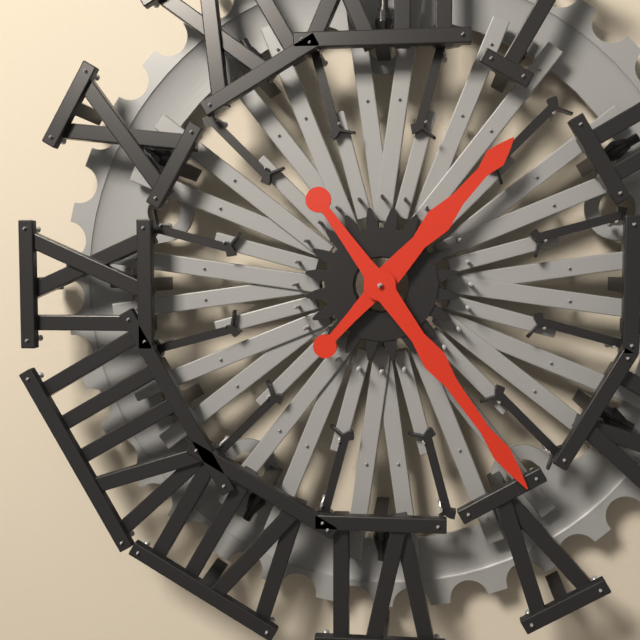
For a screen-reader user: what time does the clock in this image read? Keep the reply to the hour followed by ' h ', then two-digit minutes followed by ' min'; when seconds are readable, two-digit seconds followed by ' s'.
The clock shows 1 h 24 min
